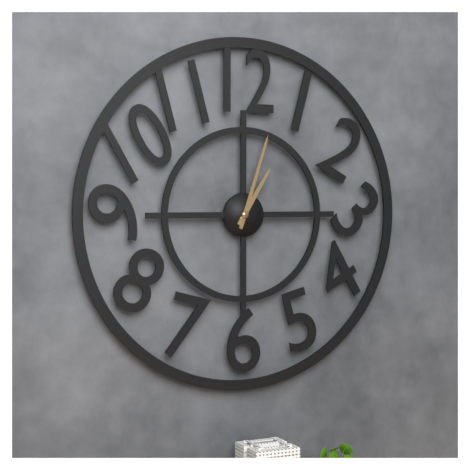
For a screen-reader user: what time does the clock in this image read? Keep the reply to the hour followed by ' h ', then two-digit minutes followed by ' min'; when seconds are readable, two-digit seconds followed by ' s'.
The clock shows 1 h 03 min
